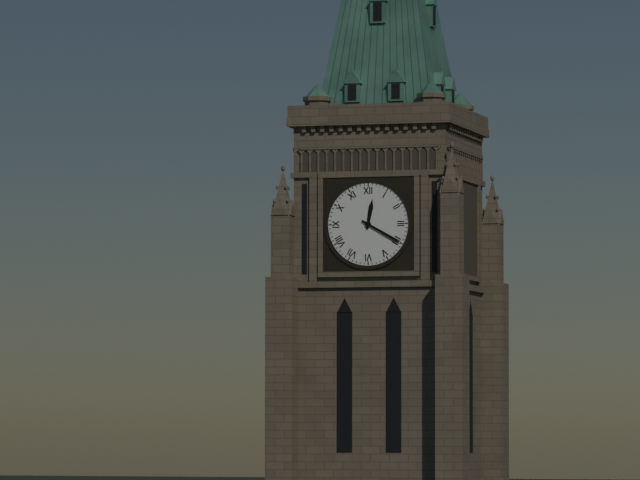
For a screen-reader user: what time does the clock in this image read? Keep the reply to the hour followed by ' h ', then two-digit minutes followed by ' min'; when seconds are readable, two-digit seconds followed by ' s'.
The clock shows 12 h 20 min
